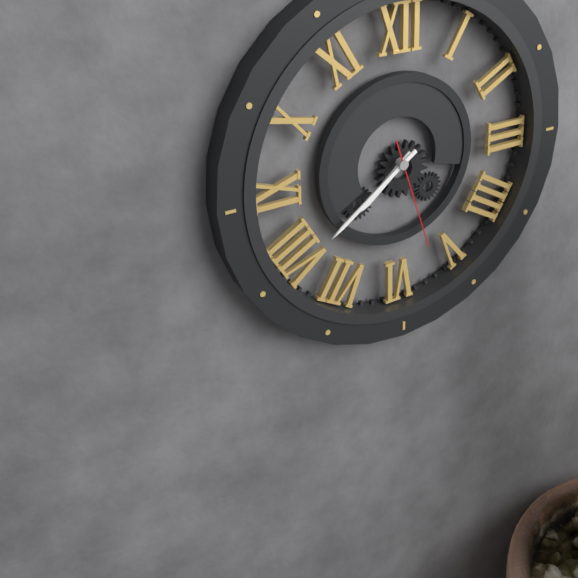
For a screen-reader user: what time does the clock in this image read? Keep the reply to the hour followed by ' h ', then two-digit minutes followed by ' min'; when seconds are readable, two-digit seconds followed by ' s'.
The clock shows 7 h 39 min 27 s
